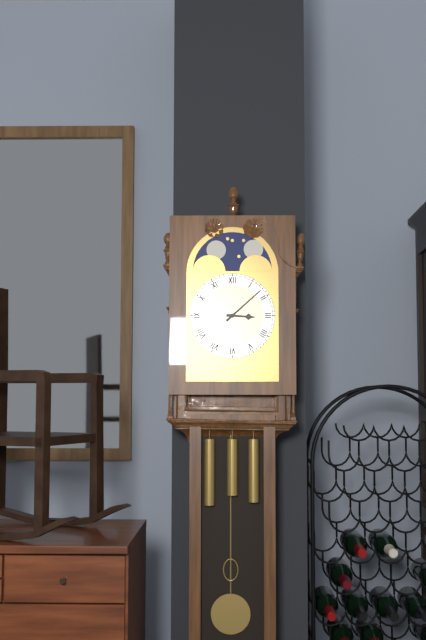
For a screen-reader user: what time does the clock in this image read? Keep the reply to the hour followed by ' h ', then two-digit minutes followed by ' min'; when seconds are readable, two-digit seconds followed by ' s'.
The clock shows 3 h 08 min
